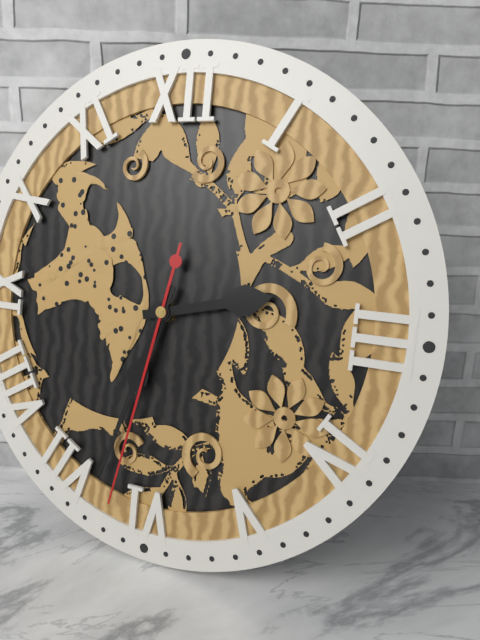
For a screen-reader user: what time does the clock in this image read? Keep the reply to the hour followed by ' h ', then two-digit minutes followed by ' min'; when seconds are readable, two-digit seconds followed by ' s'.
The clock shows 2 h 33 min 32 s
